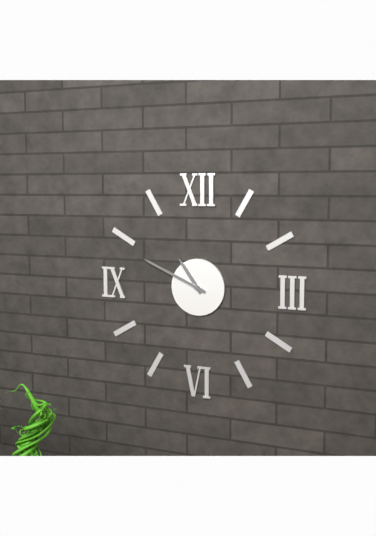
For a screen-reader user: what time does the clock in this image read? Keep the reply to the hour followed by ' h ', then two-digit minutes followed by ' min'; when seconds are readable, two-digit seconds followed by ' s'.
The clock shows 10 h 49 min
